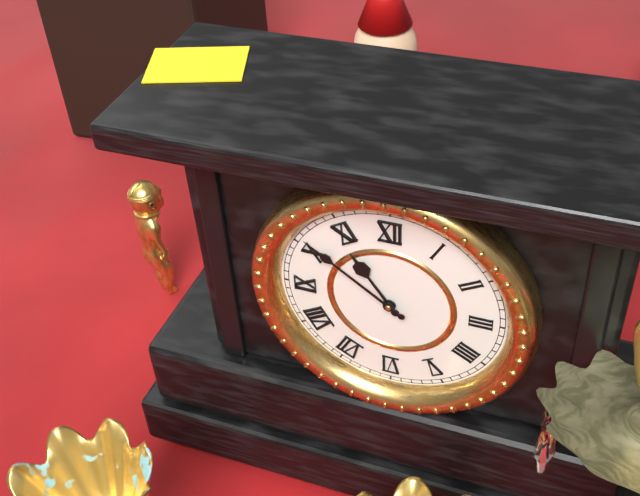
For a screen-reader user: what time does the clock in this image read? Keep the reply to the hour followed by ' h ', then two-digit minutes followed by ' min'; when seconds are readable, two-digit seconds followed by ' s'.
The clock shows 10 h 51 min
